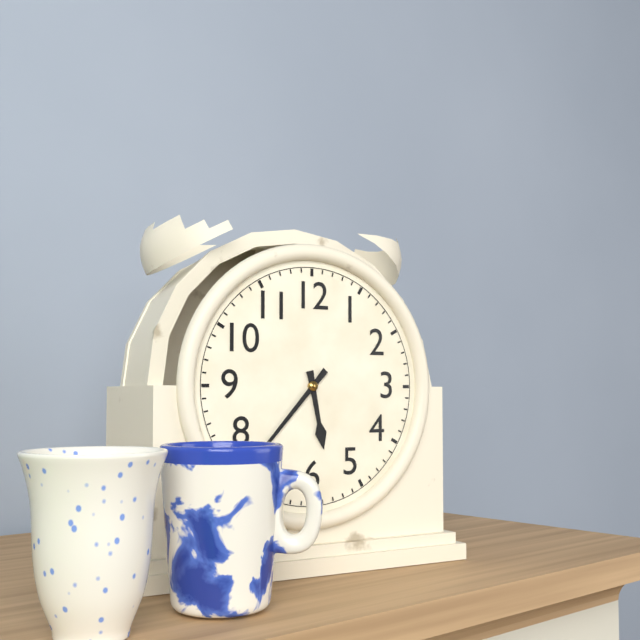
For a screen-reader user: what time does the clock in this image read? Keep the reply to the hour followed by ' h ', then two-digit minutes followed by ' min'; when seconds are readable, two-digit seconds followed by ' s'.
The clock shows 5 h 37 min
